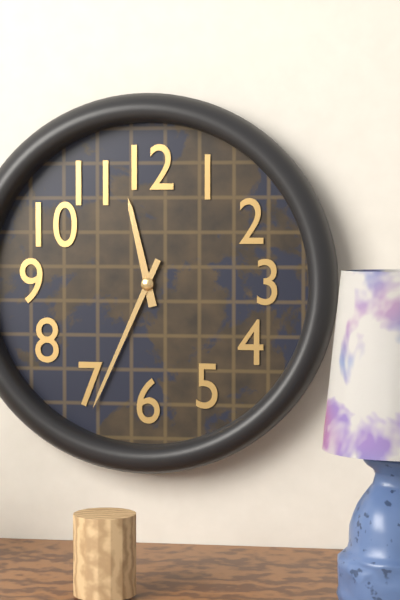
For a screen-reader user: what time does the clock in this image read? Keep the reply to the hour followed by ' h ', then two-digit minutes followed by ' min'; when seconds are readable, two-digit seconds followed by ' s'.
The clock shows 11 h 34 min
